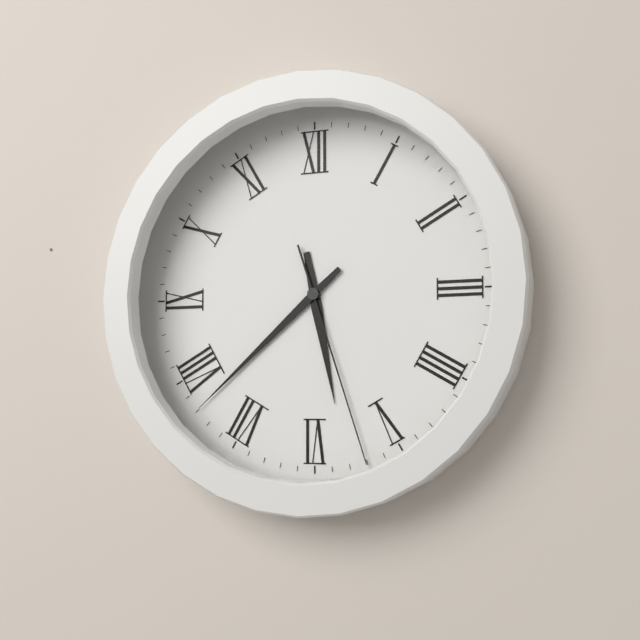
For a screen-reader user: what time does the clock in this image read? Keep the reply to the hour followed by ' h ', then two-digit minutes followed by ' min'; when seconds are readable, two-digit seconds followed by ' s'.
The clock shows 5 h 38 min 27 s
